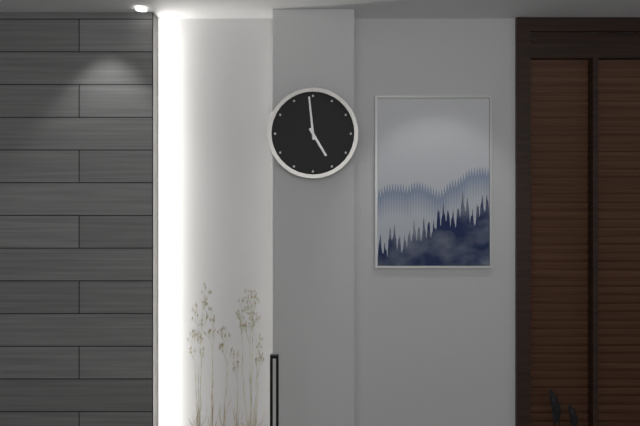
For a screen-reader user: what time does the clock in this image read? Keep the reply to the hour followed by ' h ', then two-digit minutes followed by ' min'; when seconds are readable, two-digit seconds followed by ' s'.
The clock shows 4 h 59 min
